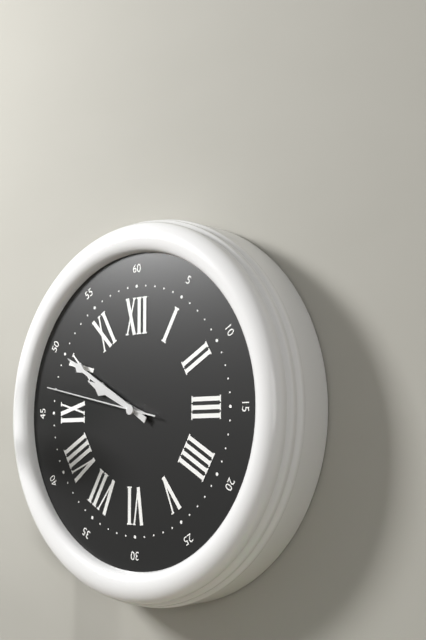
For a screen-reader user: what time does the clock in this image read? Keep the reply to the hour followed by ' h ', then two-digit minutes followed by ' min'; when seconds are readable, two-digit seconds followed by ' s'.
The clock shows 9 h 50 min 47 s
